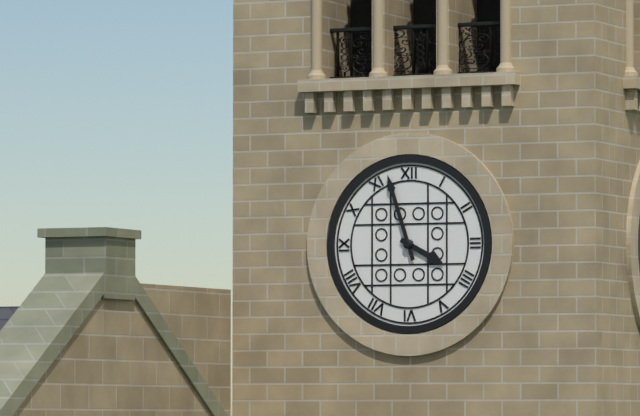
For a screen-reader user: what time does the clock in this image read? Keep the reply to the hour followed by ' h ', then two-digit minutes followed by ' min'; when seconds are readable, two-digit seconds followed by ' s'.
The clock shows 3 h 57 min
